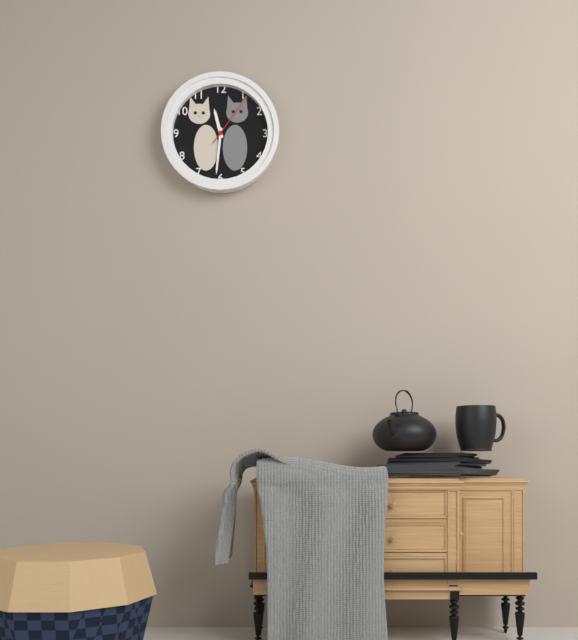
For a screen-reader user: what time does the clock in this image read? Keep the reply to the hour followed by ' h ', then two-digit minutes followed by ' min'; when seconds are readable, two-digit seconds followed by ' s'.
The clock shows 11 h 31 min 06 s
